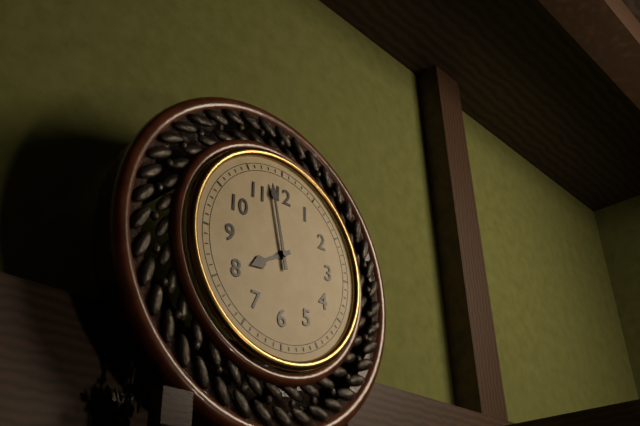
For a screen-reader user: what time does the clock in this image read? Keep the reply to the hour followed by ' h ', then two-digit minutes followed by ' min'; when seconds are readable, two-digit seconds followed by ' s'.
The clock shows 7 h 58 min
